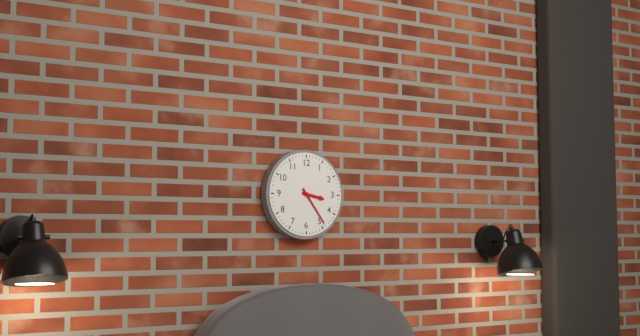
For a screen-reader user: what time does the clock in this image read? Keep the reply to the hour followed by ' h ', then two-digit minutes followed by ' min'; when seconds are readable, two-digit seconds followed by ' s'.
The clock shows 3 h 24 min
